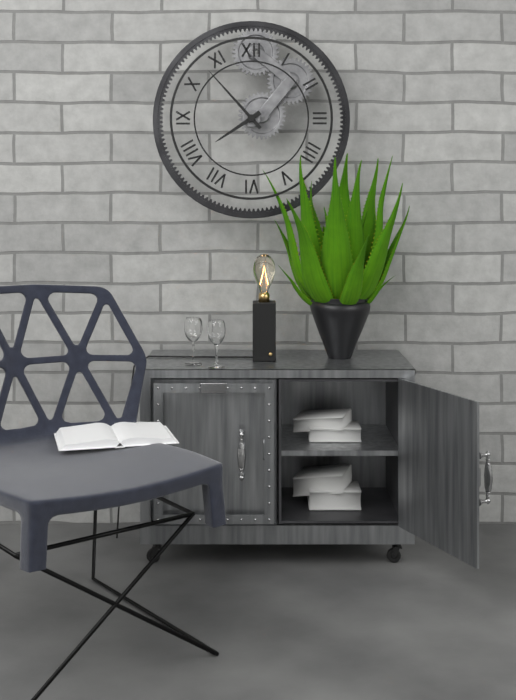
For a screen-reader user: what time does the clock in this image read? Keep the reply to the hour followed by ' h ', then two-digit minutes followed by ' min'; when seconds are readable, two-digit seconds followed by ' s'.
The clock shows 7 h 53 min
